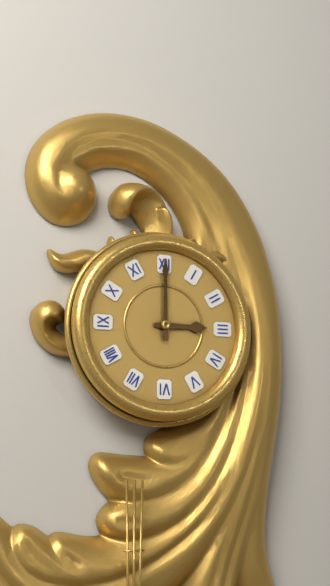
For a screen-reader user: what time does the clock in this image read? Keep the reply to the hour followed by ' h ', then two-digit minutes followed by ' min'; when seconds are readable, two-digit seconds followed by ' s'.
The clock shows 3 h 00 min
